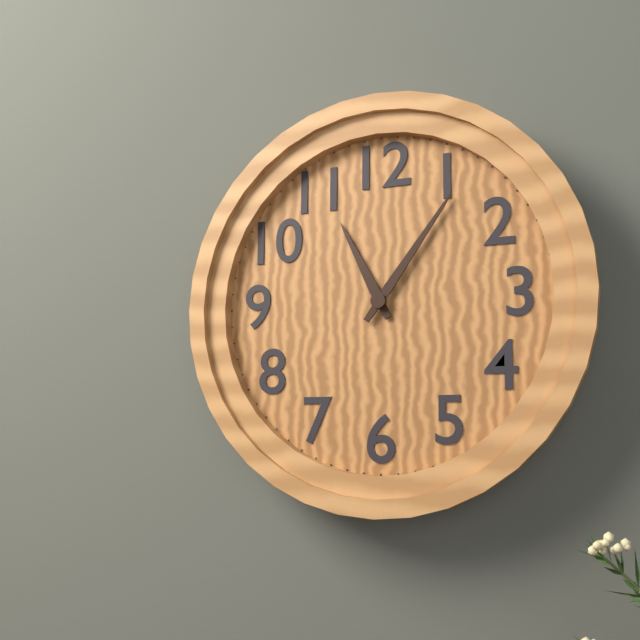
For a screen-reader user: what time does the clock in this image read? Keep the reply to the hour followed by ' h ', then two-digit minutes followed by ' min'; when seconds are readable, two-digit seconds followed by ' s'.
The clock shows 11 h 06 min
